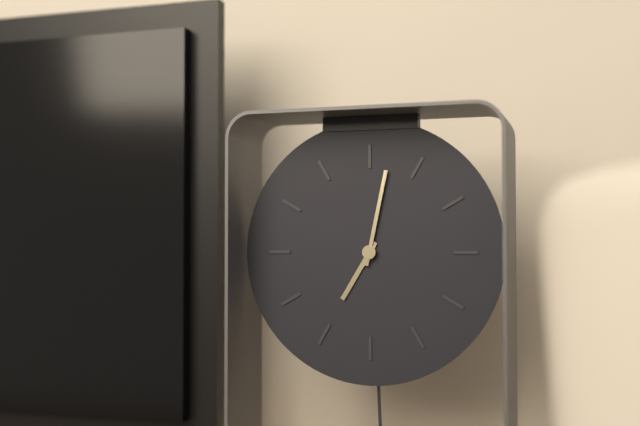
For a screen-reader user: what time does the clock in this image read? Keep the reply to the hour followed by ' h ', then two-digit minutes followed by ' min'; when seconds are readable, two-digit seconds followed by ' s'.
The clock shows 7 h 02 min
